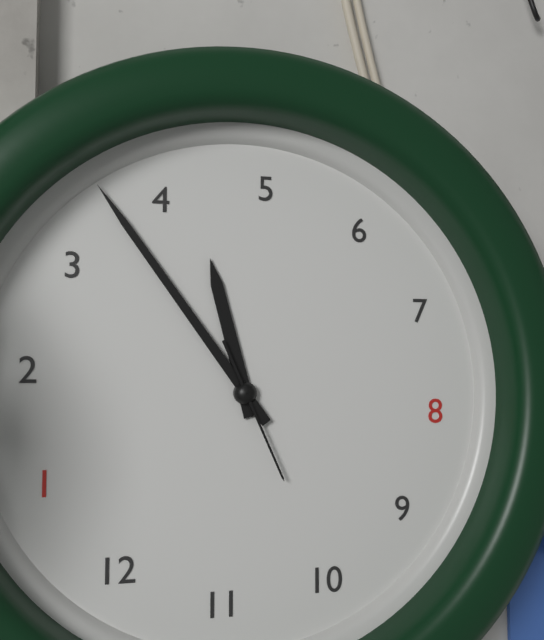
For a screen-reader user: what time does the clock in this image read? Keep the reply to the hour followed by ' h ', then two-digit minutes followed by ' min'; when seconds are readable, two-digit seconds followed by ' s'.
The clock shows 4 h 18 min 50 s
